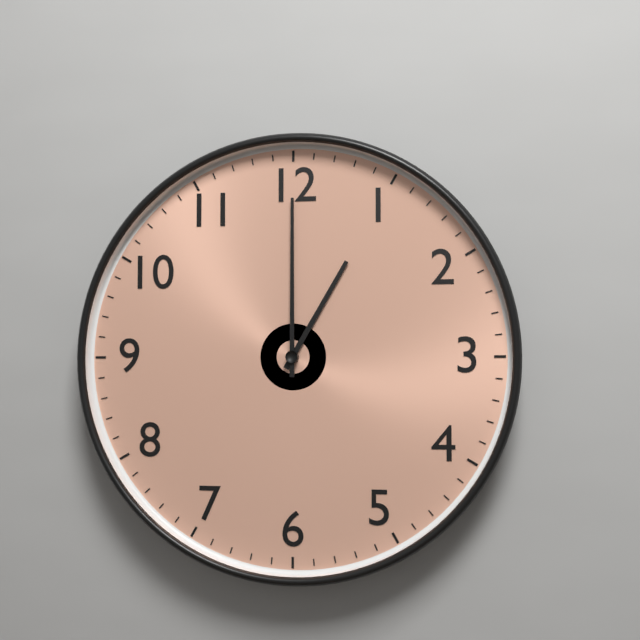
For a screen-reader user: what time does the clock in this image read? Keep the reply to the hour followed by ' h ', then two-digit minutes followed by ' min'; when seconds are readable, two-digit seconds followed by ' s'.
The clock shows 1 h 00 min
